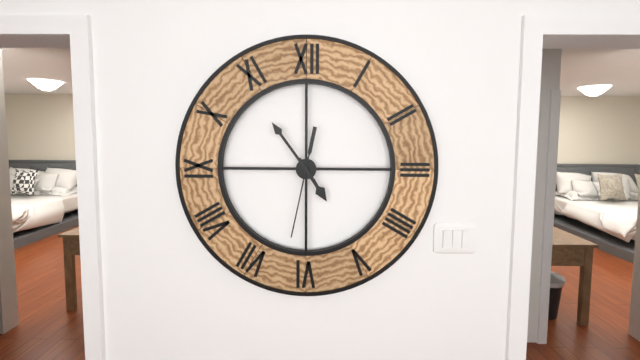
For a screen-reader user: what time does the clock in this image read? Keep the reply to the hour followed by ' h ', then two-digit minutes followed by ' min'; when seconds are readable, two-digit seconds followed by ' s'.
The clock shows 4 h 54 min 32 s
